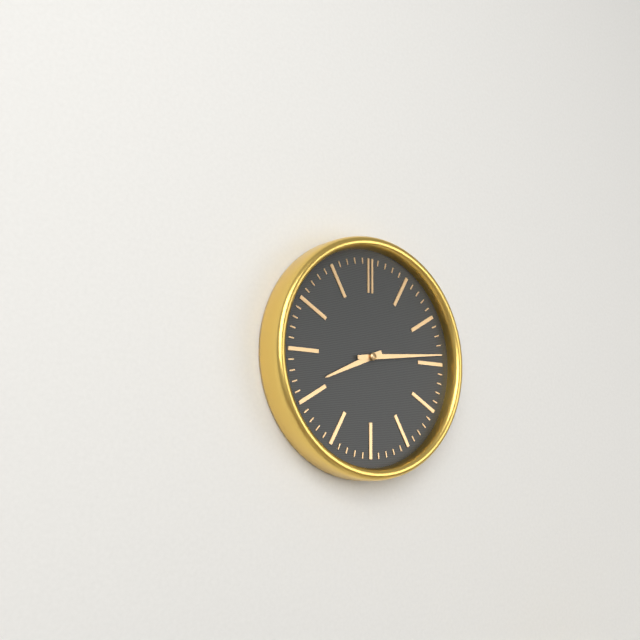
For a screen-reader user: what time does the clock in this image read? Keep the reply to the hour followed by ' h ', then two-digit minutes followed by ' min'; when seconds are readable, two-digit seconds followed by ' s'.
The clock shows 8 h 14 min
